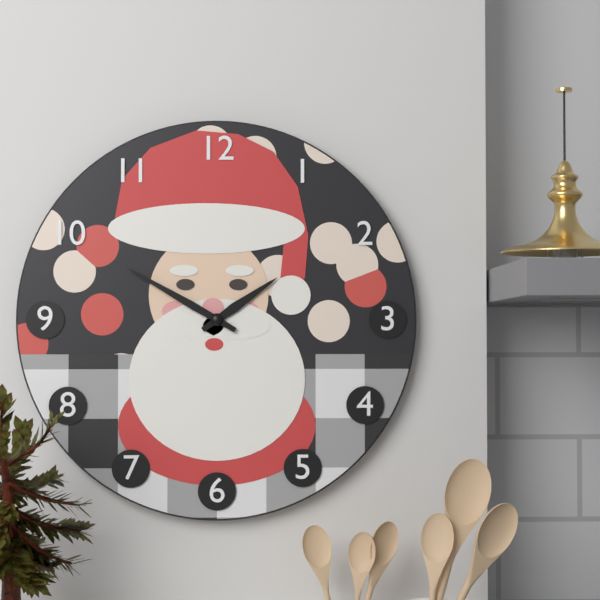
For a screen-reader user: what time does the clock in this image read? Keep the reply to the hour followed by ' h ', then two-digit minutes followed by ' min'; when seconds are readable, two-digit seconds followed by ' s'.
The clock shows 1 h 50 min
